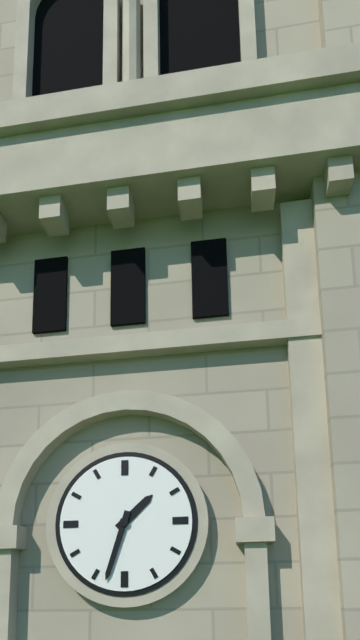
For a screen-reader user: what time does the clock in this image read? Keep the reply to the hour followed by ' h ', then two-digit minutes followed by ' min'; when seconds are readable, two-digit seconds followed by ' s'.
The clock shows 1 h 33 min
